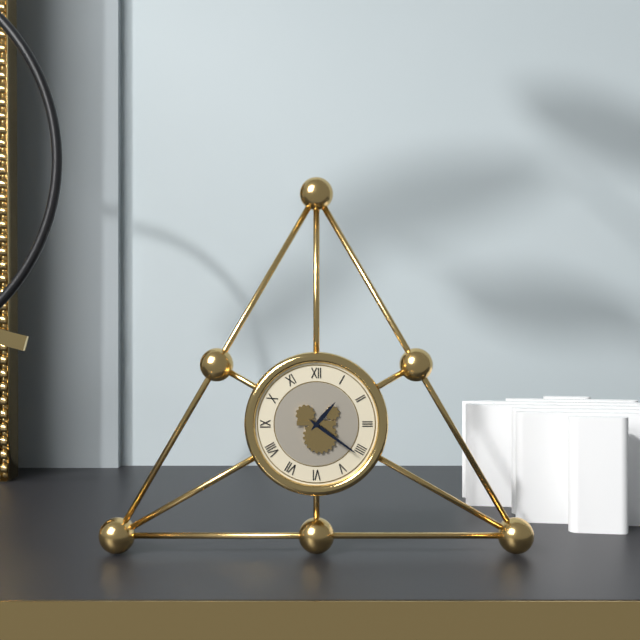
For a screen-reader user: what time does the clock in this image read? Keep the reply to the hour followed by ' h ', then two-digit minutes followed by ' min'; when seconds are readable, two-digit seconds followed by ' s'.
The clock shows 1 h 21 min
